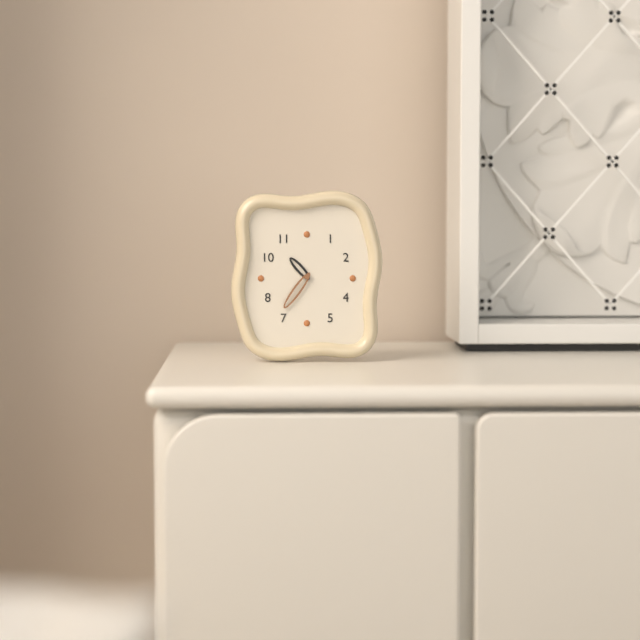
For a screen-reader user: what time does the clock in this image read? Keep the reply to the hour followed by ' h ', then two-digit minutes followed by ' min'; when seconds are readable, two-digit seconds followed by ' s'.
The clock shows 10 h 36 min
